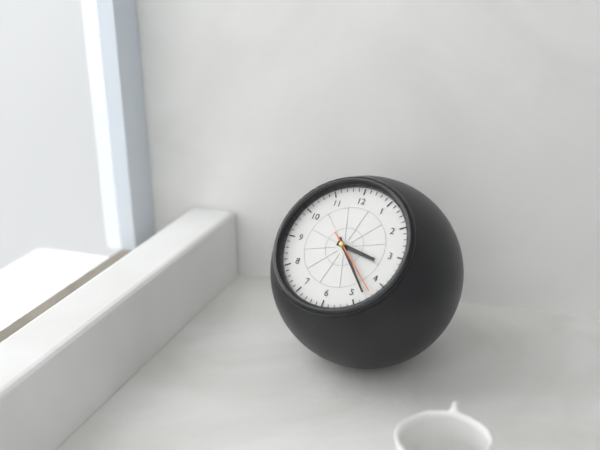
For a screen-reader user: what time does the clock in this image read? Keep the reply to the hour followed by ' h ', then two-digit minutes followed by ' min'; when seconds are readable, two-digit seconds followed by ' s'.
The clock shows 3 h 23 min 22 s
